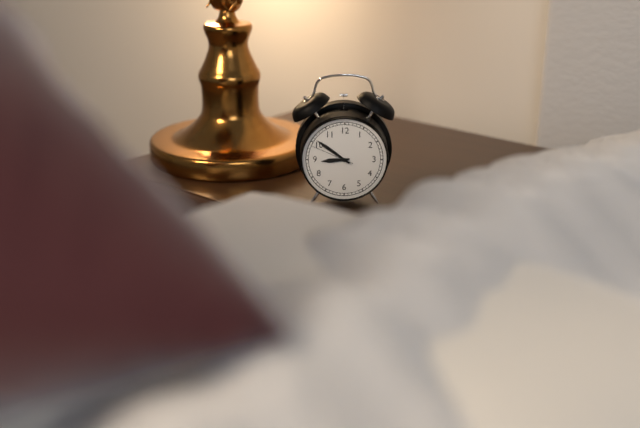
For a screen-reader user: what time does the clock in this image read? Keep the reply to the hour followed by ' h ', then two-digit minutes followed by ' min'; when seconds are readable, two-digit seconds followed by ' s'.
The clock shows 8 h 51 min
